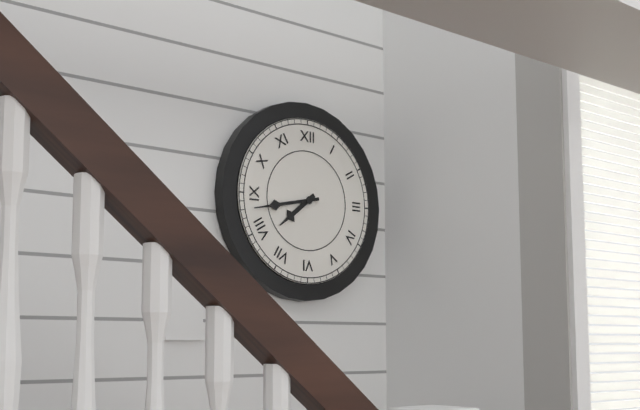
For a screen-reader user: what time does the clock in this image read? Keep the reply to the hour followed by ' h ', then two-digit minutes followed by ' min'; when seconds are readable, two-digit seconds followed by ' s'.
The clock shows 7 h 43 min
